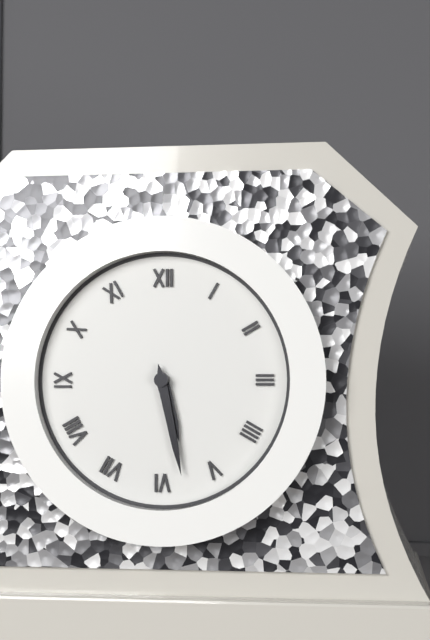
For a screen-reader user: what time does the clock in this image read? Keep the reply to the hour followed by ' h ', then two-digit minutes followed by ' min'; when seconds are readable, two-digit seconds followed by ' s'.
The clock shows 5 h 28 min
